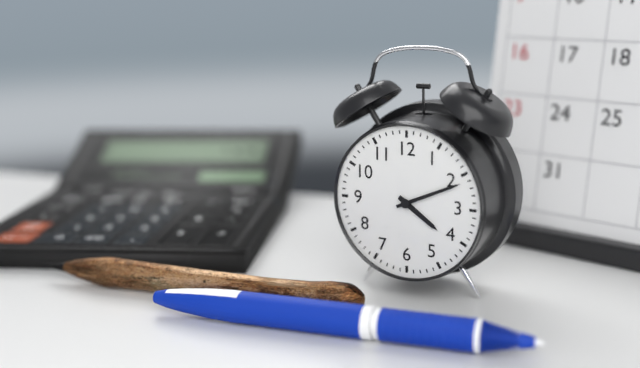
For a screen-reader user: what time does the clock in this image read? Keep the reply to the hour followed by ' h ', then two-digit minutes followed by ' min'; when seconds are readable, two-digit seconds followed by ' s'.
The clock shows 4 h 11 min
